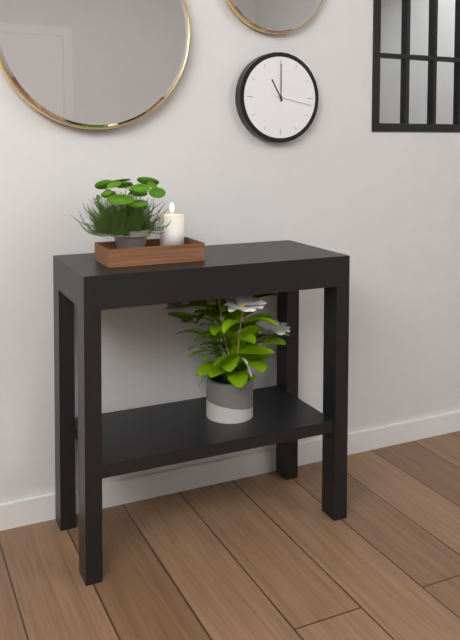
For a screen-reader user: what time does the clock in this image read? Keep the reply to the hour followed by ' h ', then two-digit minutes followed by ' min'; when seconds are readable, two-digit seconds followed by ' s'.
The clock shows 11 h 00 min
